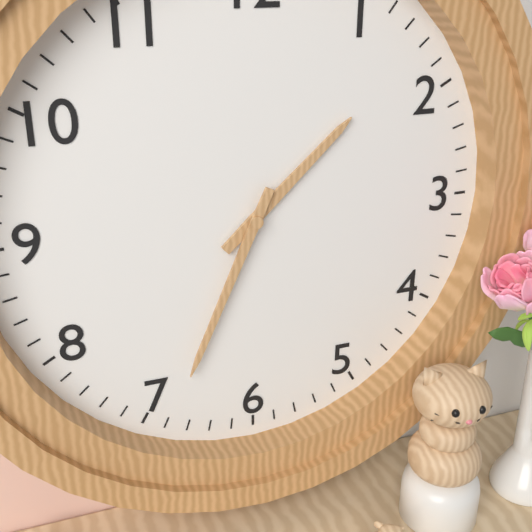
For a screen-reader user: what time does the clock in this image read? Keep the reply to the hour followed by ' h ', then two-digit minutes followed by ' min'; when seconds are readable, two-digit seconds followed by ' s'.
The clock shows 1 h 34 min
